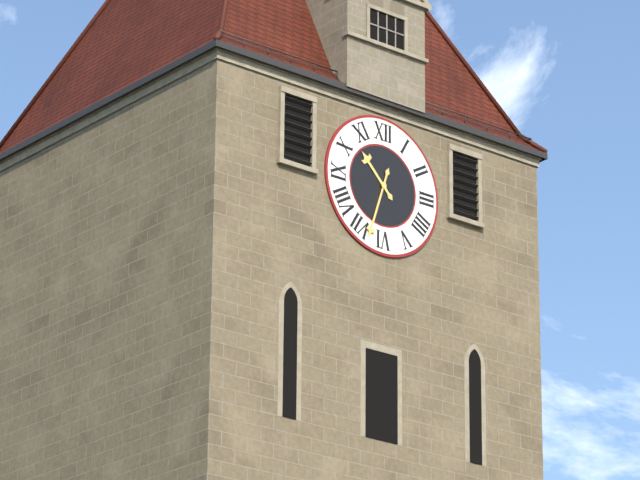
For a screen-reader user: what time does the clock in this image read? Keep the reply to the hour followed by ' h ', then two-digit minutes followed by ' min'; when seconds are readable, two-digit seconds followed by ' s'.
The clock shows 10 h 33 min
